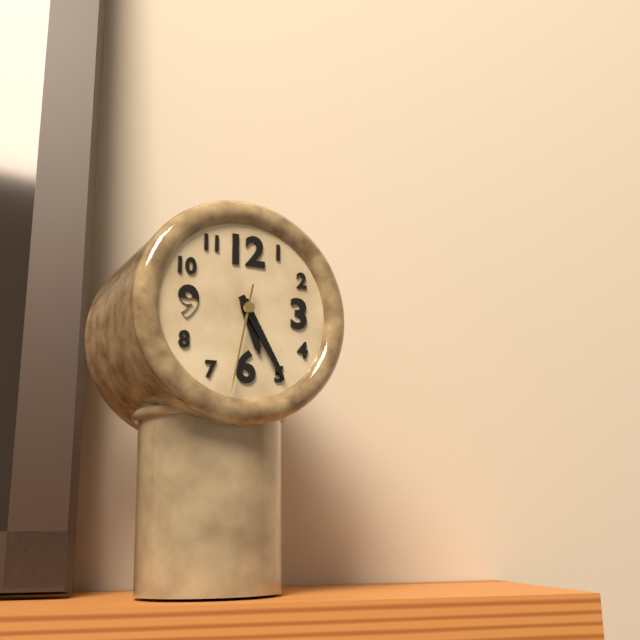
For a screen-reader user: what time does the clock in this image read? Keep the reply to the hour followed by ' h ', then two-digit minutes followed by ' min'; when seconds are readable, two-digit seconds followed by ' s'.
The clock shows 5 h 25 min 32 s
